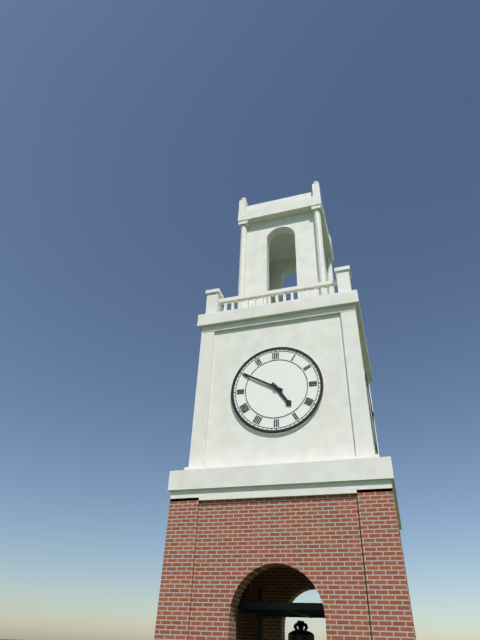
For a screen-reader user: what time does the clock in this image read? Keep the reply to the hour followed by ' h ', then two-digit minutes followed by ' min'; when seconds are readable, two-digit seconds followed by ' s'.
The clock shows 4 h 50 min
